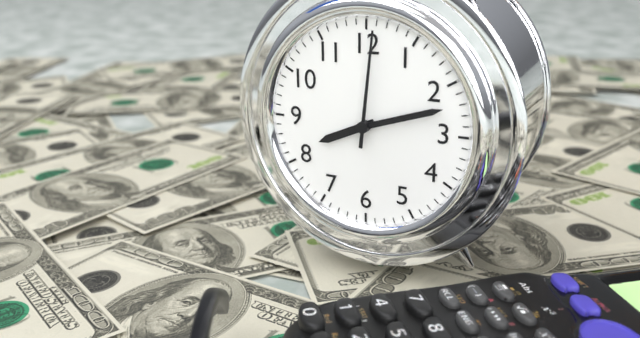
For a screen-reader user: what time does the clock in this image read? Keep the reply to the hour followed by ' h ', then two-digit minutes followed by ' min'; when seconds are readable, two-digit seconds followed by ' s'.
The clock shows 8 h 12 min 01 s
